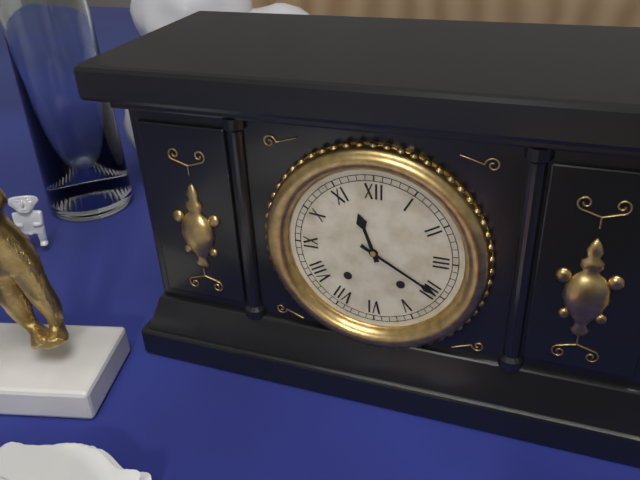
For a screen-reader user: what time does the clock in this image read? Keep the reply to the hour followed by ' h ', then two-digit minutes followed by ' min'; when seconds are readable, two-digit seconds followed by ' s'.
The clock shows 11 h 20 min
